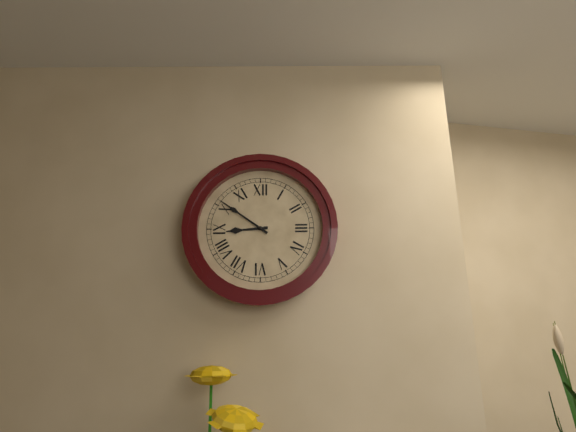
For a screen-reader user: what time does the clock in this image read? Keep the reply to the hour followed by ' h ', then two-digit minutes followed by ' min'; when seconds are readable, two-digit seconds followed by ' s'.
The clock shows 8 h 51 min
